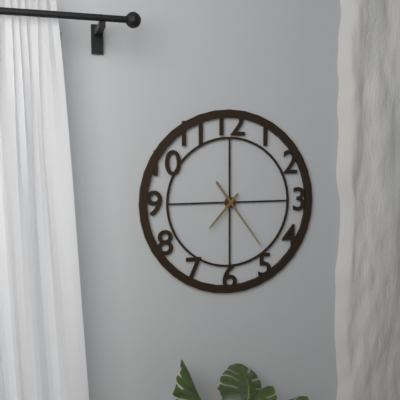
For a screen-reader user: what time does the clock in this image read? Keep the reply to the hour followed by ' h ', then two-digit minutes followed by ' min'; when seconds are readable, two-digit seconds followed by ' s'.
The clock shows 7 h 24 min
